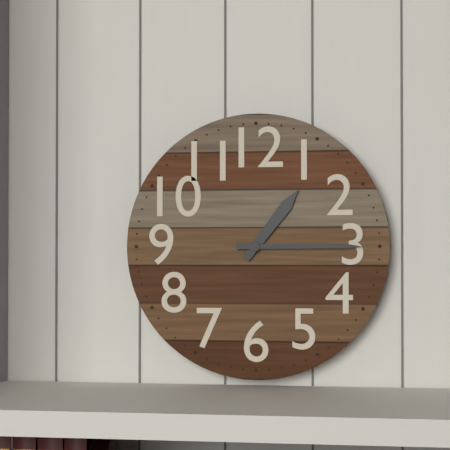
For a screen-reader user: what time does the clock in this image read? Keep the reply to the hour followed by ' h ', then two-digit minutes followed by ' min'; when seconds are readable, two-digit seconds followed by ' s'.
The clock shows 1 h 15 min
